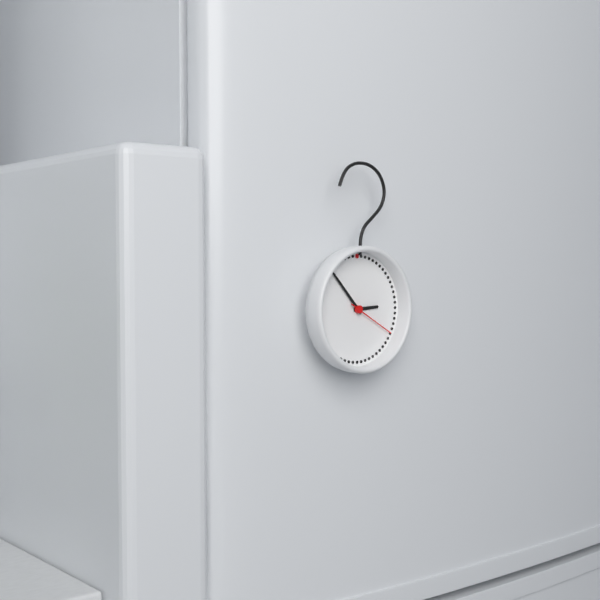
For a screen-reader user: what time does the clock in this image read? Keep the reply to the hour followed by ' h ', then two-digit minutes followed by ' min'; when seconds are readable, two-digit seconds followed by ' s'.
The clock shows 2 h 53 min 20 s
